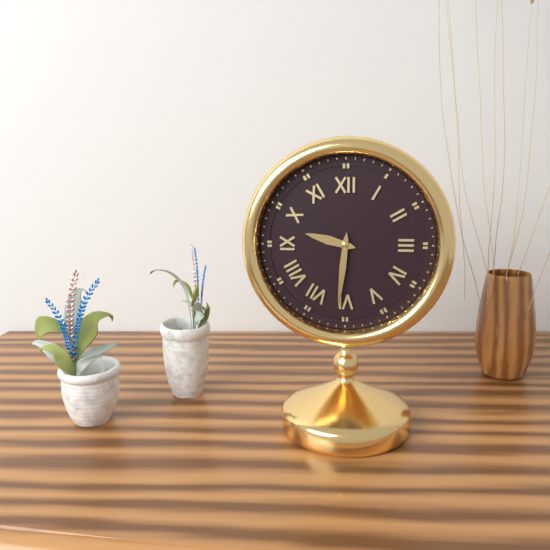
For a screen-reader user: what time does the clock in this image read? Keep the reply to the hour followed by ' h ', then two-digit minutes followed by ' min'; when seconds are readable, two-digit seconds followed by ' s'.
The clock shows 9 h 31 min
